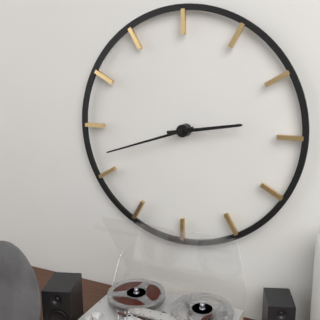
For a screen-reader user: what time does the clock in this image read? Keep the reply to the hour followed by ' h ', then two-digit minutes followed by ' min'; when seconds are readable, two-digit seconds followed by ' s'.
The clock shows 2 h 42 min
